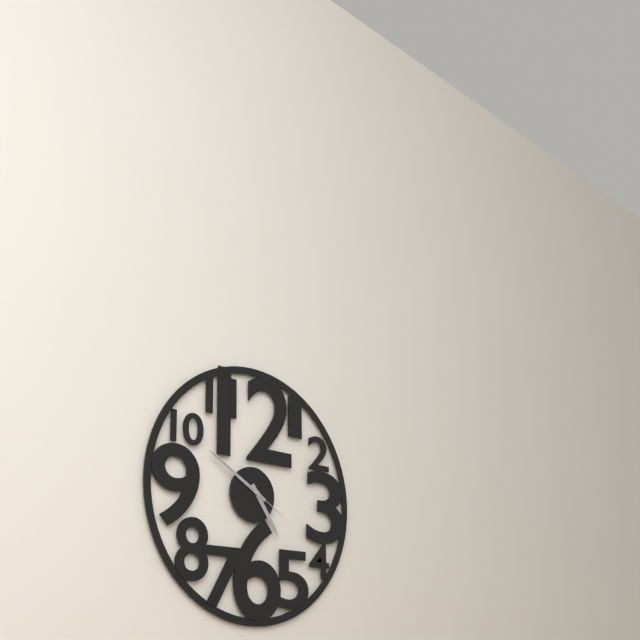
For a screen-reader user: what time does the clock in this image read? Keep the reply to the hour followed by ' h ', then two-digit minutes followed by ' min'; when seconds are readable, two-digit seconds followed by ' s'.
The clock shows 4 h 50 min
